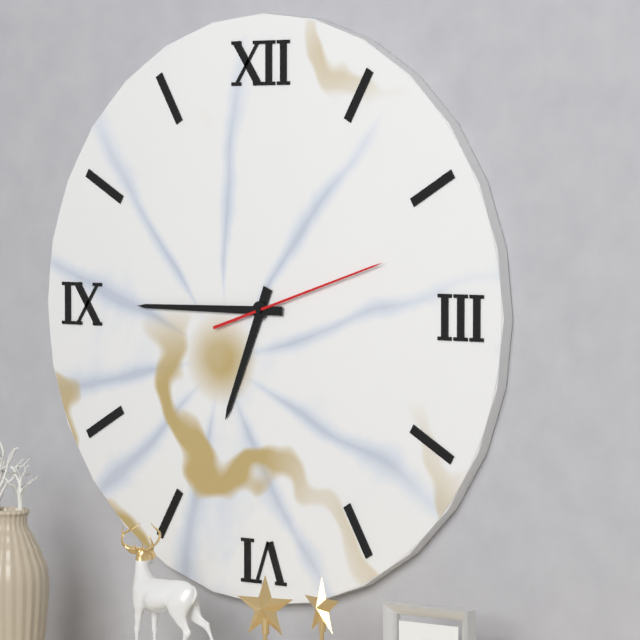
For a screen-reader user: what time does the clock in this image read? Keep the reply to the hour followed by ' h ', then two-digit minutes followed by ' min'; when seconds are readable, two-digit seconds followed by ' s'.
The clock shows 6 h 45 min 12 s
